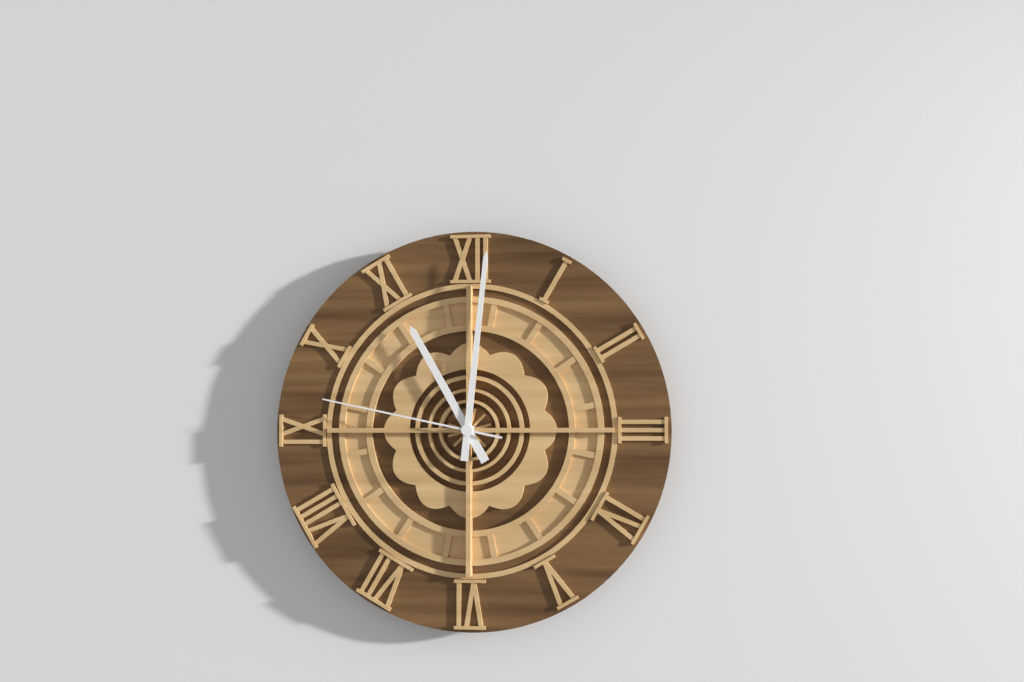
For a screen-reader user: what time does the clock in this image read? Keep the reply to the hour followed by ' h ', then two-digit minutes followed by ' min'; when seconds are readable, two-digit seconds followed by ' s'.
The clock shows 11 h 01 min 47 s
